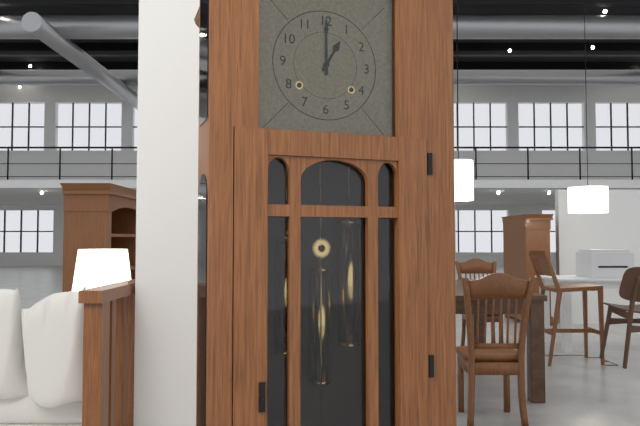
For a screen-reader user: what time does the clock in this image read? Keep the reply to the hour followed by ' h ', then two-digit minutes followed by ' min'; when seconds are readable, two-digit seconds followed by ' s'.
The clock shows 1 h 00 min
